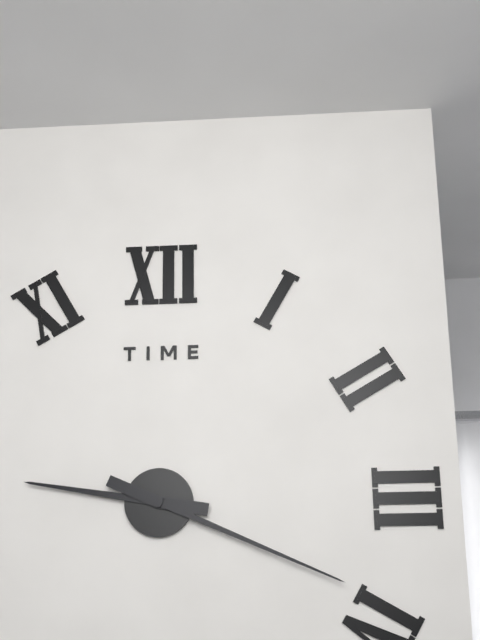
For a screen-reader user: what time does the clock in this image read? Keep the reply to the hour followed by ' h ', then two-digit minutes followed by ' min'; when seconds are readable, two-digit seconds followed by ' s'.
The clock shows 9 h 19 min
